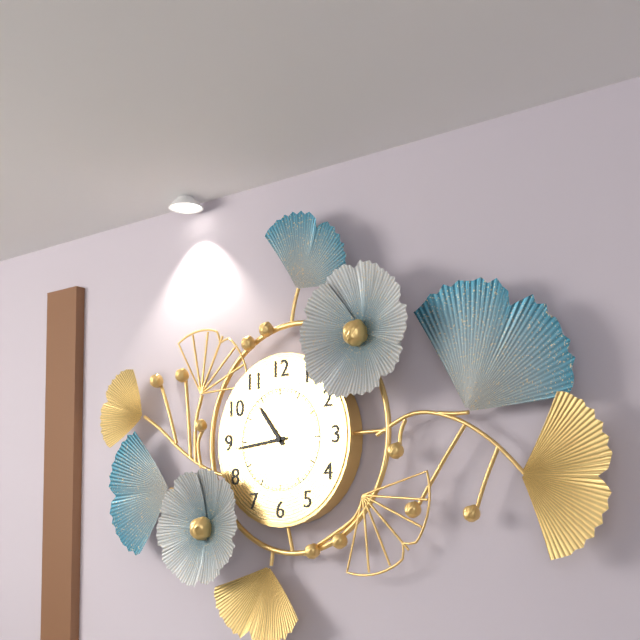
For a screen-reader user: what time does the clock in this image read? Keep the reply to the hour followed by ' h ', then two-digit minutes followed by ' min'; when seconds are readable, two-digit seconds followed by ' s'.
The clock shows 10 h 44 min
